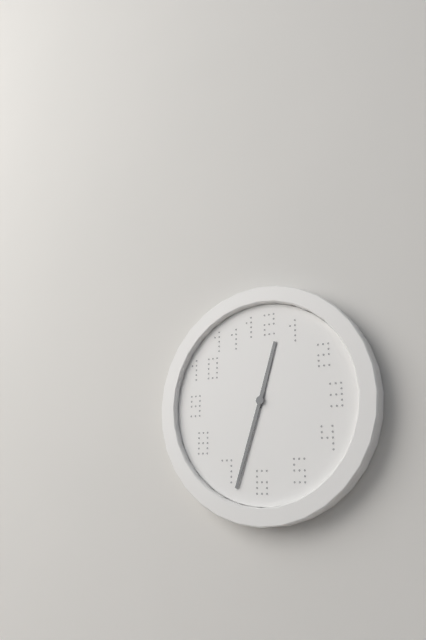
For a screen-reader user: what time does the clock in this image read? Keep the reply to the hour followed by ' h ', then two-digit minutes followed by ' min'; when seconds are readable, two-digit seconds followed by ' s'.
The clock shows 12 h 33 min
